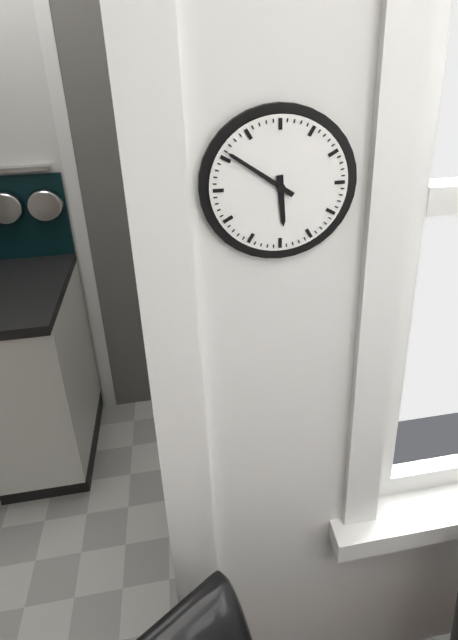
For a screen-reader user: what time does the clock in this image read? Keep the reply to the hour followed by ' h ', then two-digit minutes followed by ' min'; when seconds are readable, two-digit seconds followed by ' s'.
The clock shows 5 h 51 min
